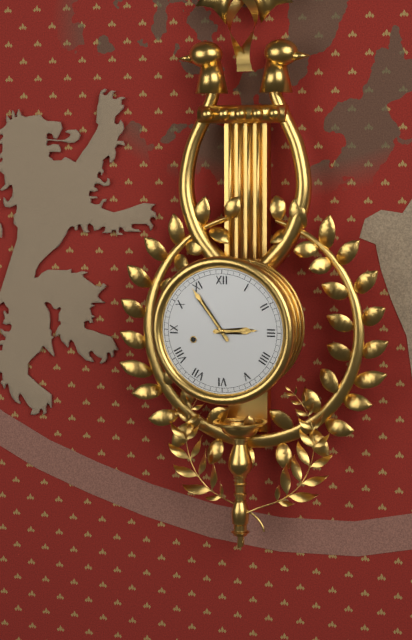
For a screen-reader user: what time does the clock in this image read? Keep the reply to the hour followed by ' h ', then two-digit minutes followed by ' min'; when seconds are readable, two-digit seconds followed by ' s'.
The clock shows 2 h 54 min
